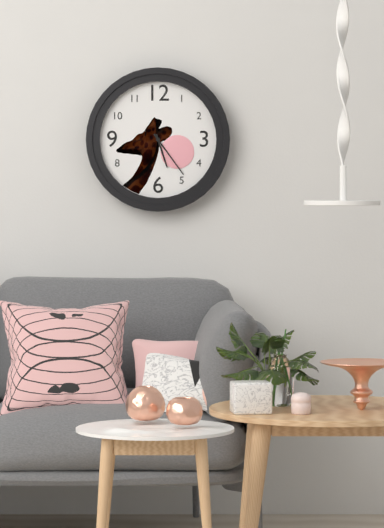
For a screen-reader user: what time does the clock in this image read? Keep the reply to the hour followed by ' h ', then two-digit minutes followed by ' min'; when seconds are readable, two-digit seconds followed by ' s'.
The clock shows 5 h 24 min
